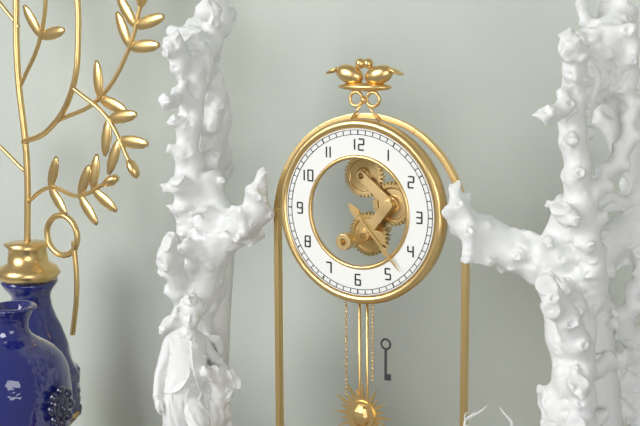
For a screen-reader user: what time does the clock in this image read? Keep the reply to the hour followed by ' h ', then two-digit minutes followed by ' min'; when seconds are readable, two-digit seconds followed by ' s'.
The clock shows 4 h 23 min
